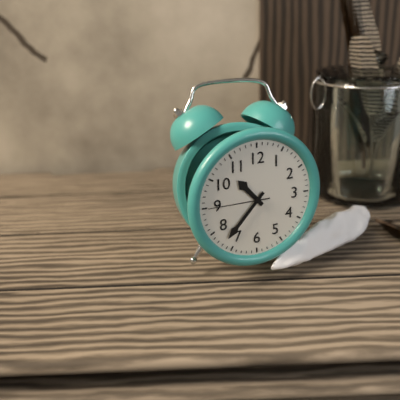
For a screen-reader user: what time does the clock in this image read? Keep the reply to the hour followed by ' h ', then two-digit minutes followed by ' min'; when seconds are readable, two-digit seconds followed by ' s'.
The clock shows 10 h 37 min 45 s
